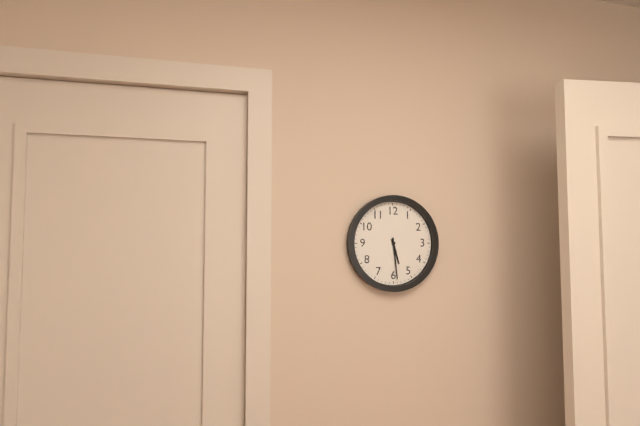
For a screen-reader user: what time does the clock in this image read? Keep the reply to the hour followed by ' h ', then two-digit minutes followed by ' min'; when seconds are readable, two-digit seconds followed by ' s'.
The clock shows 5 h 29 min
